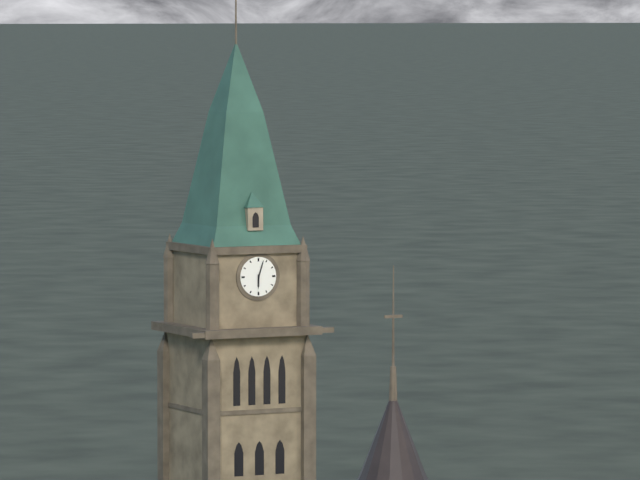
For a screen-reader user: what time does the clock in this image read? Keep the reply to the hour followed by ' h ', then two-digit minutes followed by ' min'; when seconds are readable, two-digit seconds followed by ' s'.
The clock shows 6 h 03 min
